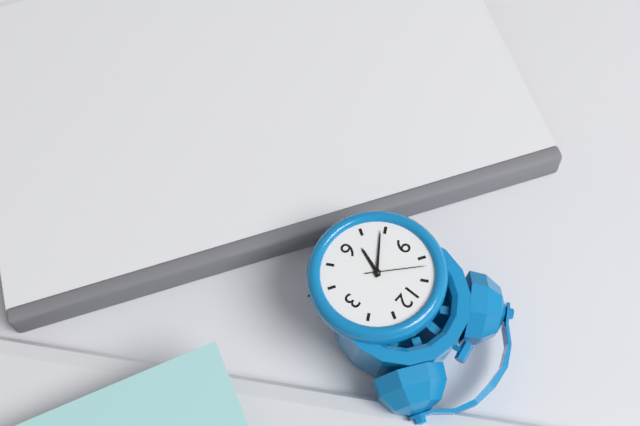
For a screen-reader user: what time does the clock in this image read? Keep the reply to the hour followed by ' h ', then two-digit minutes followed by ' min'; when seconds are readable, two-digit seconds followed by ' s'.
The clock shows 6 h 39 min 52 s
